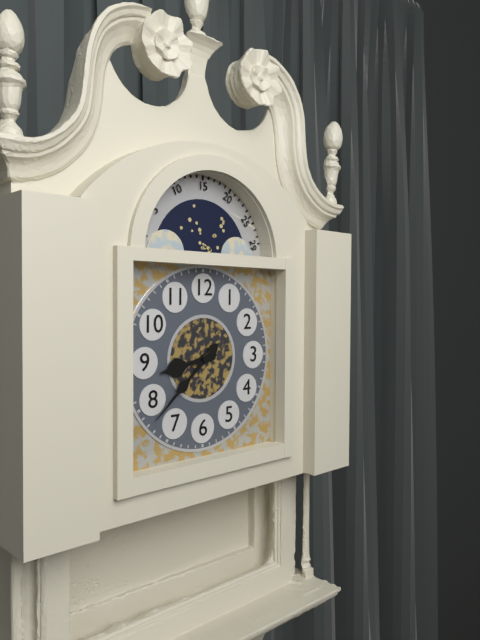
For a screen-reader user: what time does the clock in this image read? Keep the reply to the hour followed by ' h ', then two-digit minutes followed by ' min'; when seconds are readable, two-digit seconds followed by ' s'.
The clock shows 8 h 38 min
